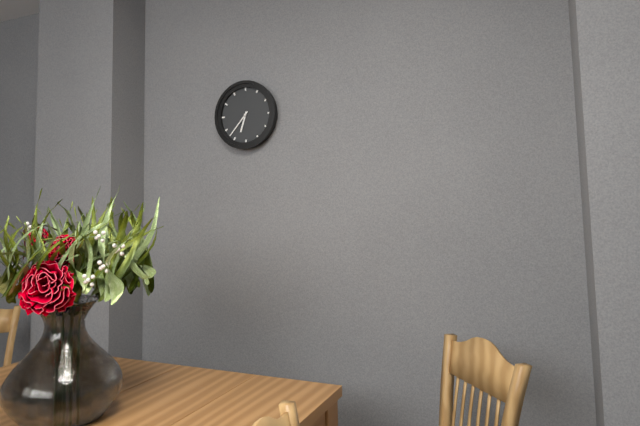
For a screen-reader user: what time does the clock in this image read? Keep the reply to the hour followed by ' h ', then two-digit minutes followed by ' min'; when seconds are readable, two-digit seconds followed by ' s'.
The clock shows 6 h 37 min
